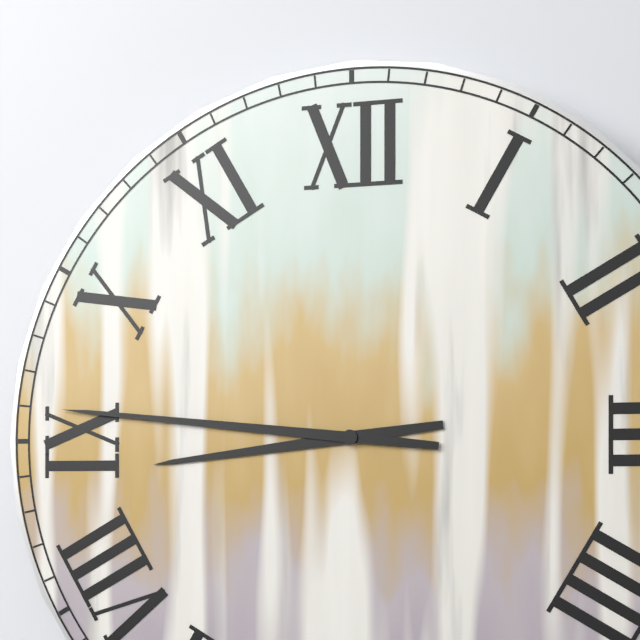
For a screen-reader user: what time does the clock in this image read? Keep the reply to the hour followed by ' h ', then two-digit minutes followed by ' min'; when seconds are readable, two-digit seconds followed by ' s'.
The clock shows 8 h 46 min
